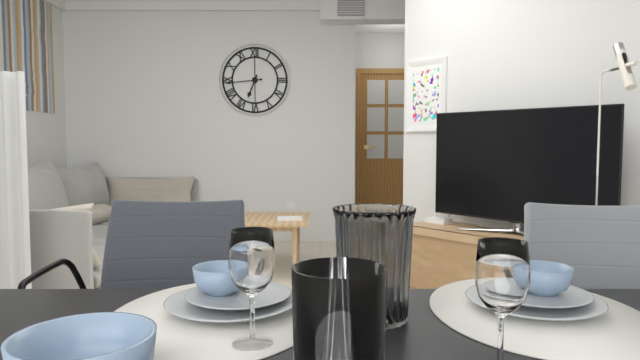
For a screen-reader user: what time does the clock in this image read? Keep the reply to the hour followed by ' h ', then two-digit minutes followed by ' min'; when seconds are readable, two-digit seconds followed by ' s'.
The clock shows 6 h 44 min
